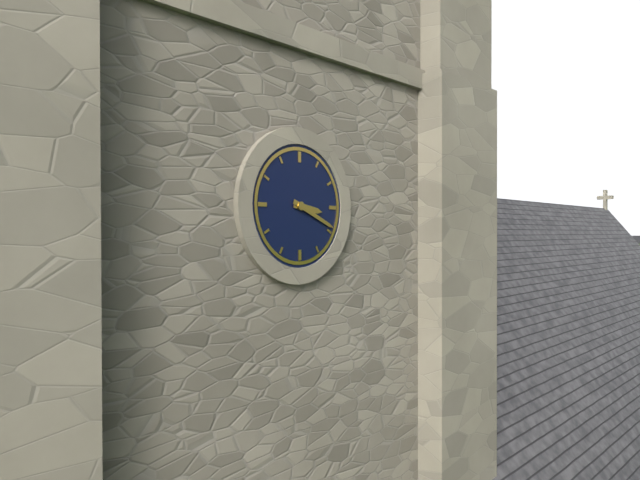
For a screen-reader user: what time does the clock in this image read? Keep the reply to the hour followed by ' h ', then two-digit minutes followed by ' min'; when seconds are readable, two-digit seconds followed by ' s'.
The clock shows 3 h 19 min
